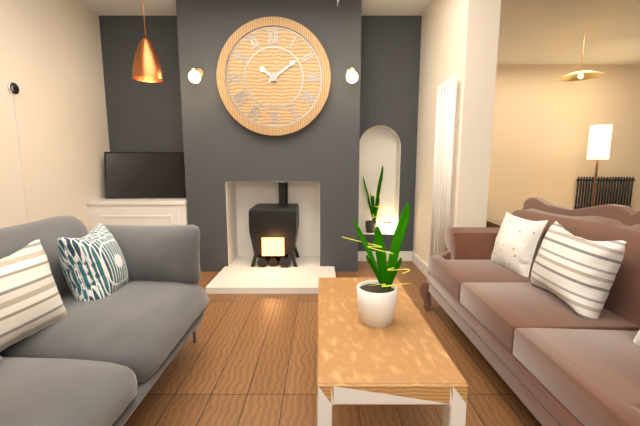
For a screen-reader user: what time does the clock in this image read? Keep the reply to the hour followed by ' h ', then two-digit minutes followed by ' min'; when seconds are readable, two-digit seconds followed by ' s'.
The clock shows 10 h 09 min
